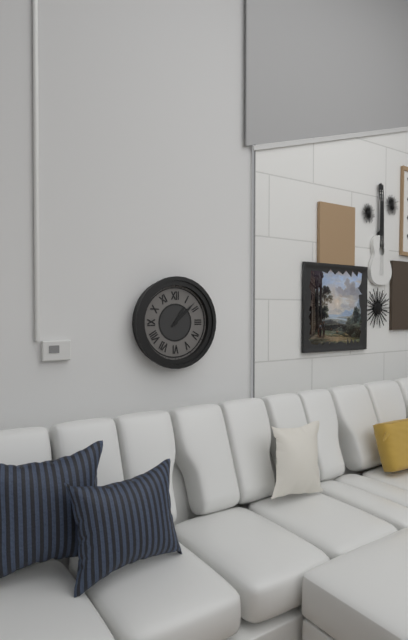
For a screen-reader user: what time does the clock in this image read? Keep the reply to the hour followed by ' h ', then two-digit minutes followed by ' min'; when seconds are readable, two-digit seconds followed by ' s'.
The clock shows 1 h 08 min
